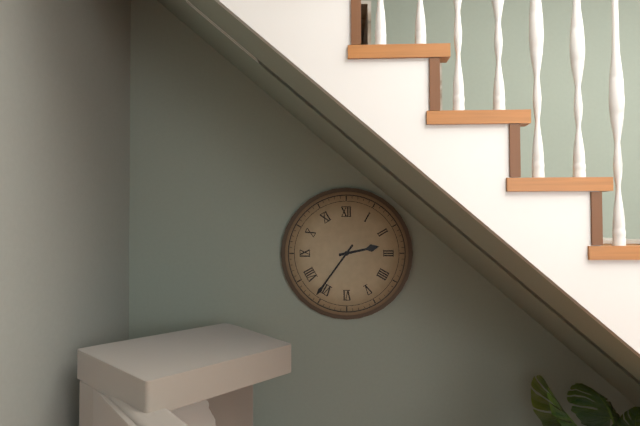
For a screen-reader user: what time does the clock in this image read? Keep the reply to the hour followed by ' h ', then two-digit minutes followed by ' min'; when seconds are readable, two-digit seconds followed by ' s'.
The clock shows 2 h 36 min
